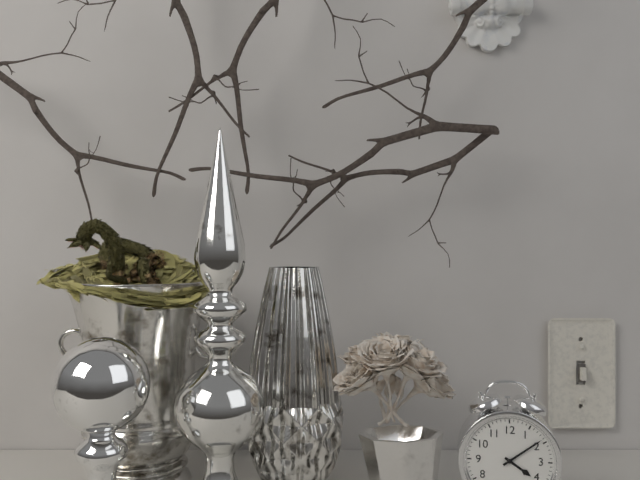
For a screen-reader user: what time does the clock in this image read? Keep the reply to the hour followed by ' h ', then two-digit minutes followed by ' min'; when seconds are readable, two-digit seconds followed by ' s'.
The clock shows 4 h 09 min
